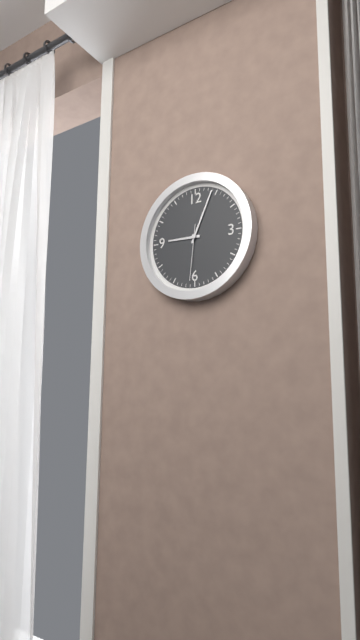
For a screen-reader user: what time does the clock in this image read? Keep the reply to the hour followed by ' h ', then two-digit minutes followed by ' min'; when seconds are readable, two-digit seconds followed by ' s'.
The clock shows 9 h 04 min 31 s
